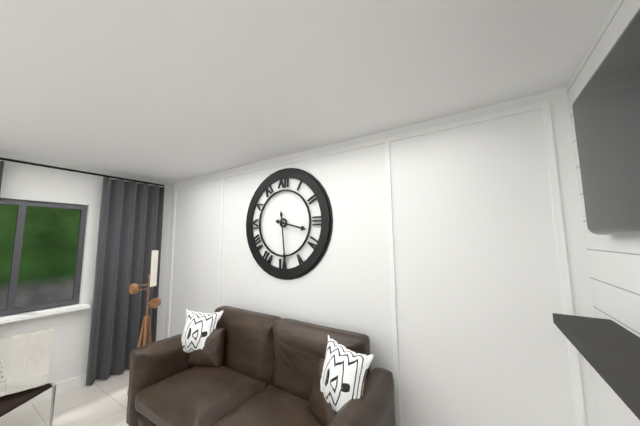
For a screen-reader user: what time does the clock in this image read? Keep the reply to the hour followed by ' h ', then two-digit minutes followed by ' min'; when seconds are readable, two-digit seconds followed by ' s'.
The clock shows 3 h 29 min
